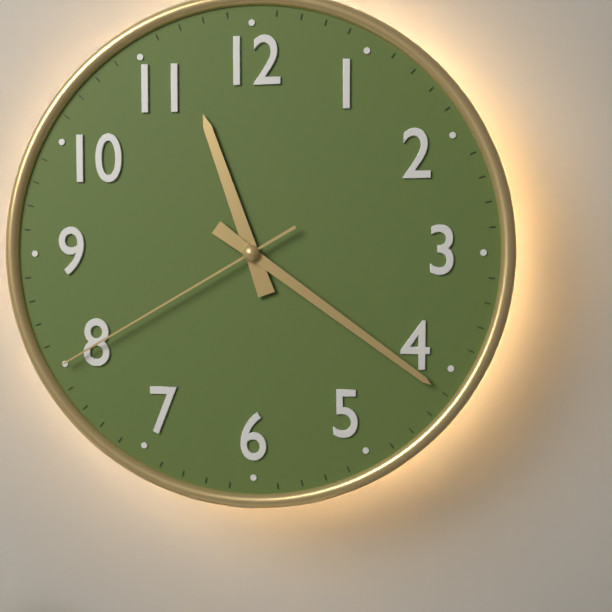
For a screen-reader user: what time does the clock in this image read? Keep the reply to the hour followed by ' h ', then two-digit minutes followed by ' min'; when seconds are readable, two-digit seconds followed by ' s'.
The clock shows 11 h 21 min 40 s
